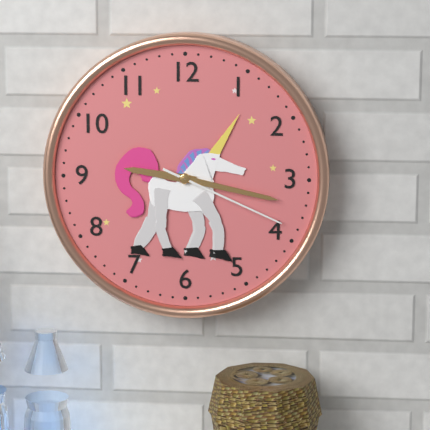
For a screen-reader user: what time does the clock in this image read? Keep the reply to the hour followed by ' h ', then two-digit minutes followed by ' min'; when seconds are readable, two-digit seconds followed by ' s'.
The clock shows 9 h 17 min 19 s
